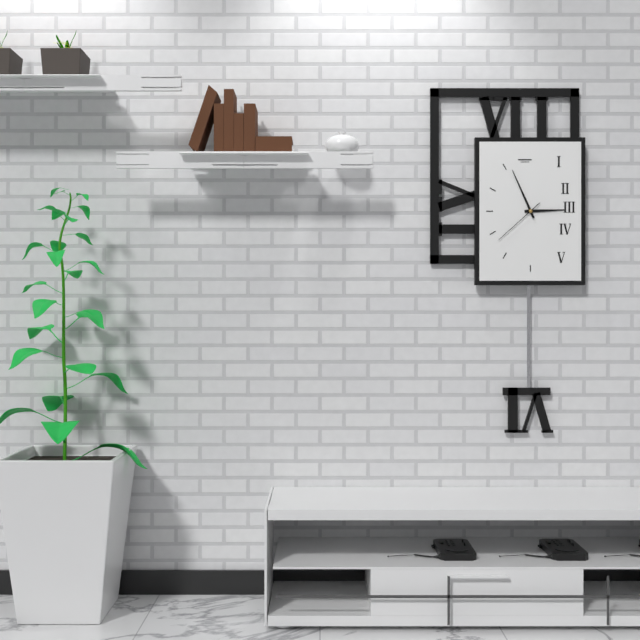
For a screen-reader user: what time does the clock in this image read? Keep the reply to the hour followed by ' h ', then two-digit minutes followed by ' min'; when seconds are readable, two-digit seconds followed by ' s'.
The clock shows 2 h 56 min 38 s
